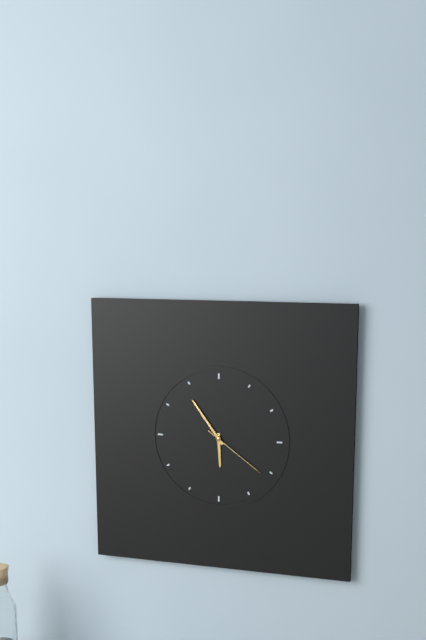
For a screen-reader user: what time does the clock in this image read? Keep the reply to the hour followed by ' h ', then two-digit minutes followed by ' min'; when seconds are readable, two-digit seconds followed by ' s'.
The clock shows 5 h 54 min 21 s
